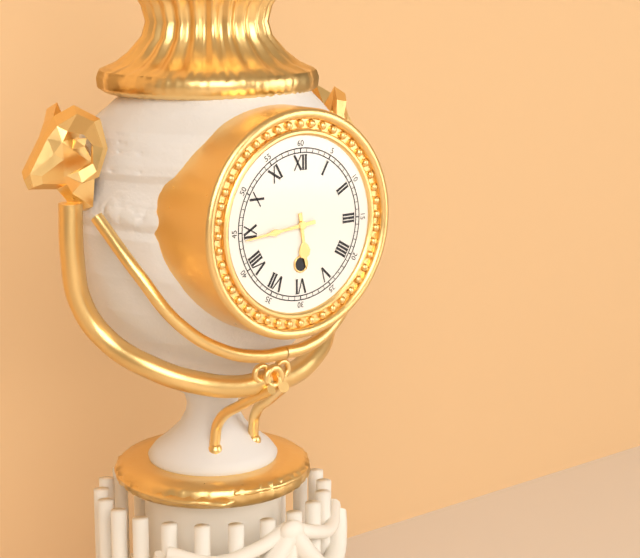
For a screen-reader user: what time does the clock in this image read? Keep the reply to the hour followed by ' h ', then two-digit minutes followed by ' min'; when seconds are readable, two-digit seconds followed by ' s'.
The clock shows 5 h 44 min
